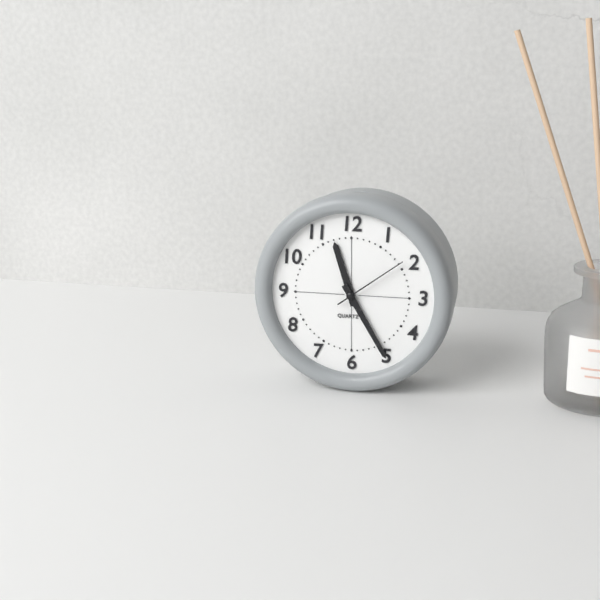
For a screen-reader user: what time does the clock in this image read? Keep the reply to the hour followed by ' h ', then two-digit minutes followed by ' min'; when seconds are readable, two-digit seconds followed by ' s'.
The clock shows 11 h 25 min 09 s
